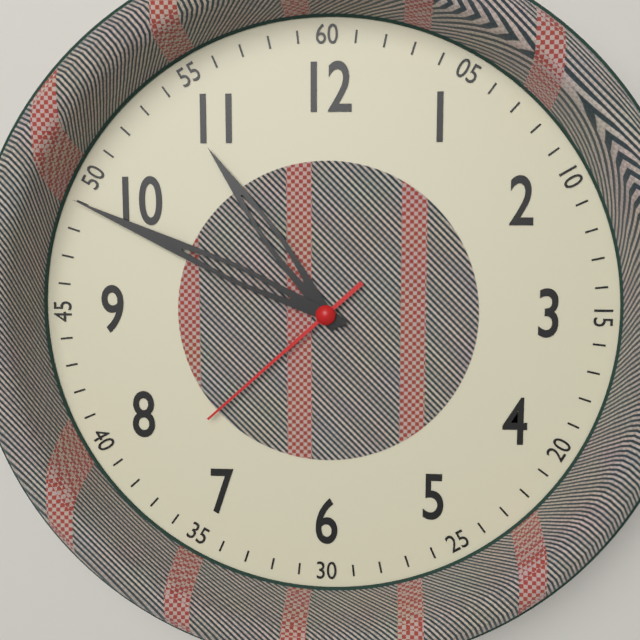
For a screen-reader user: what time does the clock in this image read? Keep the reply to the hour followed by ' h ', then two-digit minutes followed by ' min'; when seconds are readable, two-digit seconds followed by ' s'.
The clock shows 10 h 49 min 38 s
